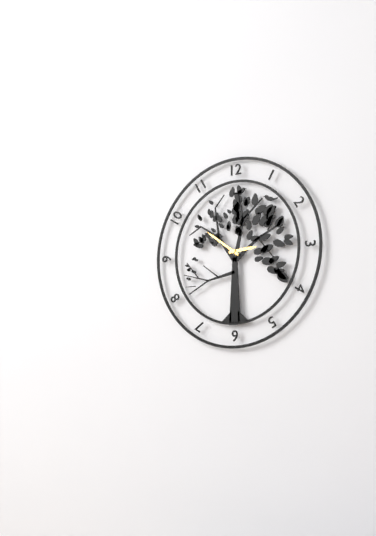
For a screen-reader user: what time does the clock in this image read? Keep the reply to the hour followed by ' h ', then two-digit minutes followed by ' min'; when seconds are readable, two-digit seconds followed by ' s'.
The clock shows 2 h 51 min
